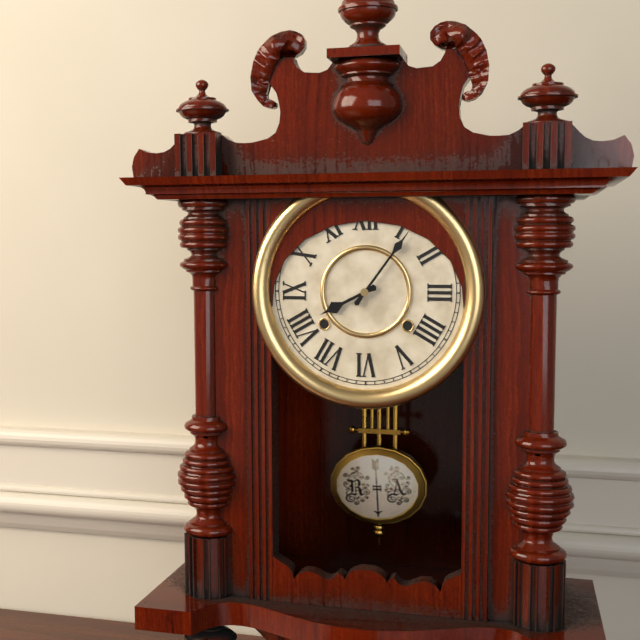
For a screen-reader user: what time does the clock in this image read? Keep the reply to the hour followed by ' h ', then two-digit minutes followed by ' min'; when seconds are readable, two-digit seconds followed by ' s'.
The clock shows 8 h 06 min
